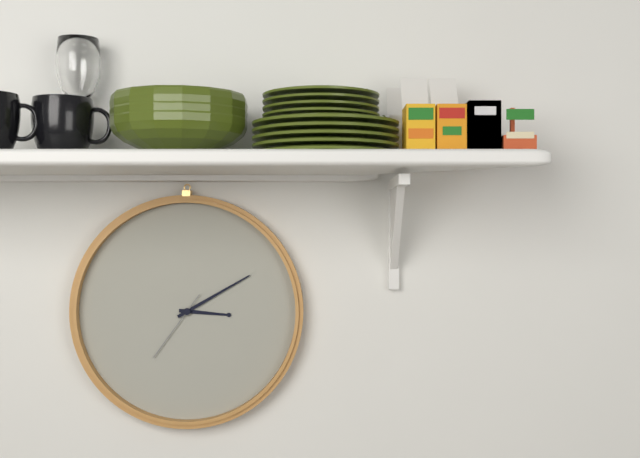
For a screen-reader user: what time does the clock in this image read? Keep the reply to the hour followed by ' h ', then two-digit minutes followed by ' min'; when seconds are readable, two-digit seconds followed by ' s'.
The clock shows 3 h 10 min 36 s
